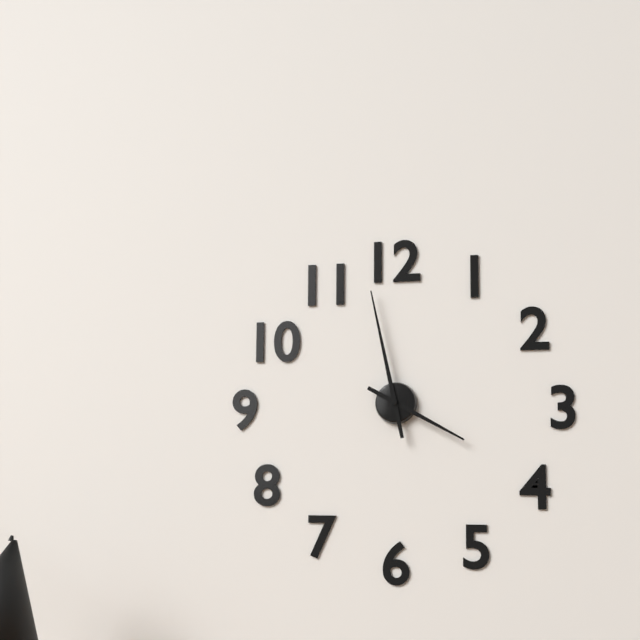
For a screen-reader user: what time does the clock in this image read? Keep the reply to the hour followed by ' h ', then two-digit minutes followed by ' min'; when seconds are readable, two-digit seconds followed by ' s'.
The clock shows 3 h 58 min
